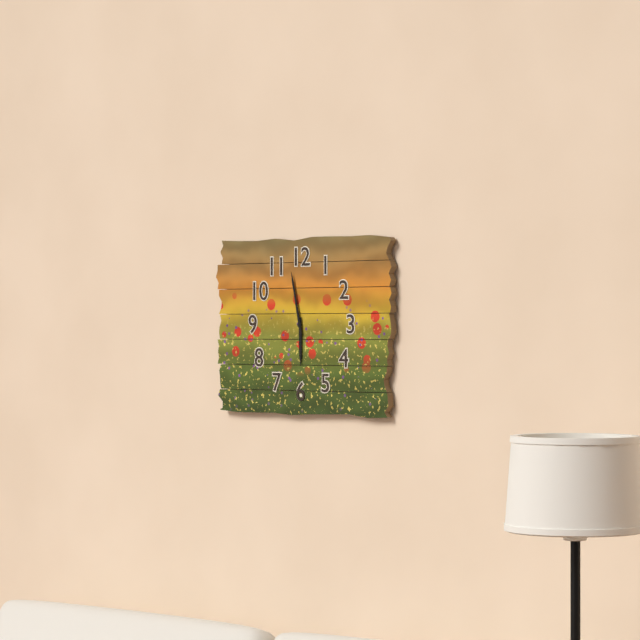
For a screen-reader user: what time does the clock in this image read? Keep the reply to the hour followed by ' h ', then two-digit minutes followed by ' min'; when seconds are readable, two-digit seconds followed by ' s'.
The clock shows 5 h 58 min
